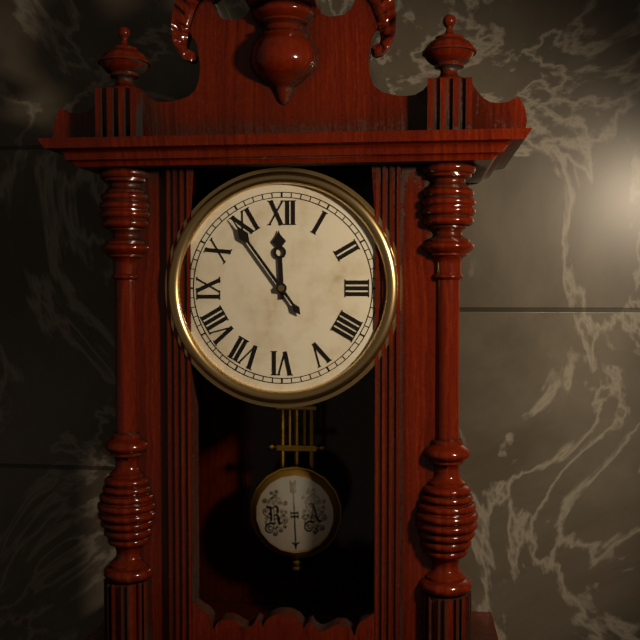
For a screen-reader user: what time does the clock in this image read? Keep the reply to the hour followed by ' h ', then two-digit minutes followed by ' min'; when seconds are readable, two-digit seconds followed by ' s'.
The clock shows 11 h 54 min
